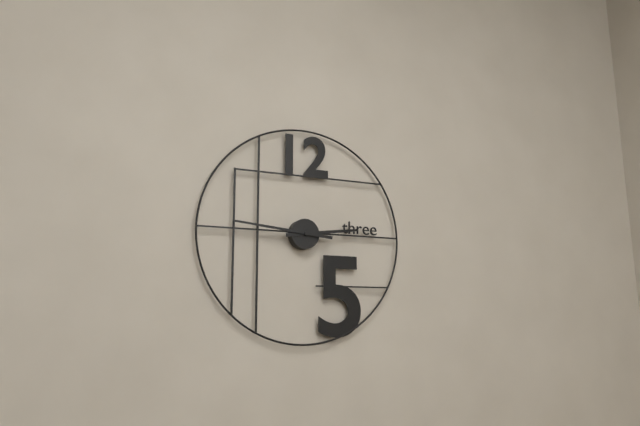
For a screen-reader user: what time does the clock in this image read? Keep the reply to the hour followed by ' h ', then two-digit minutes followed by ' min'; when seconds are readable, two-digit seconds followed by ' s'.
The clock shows 2 h 46 min
